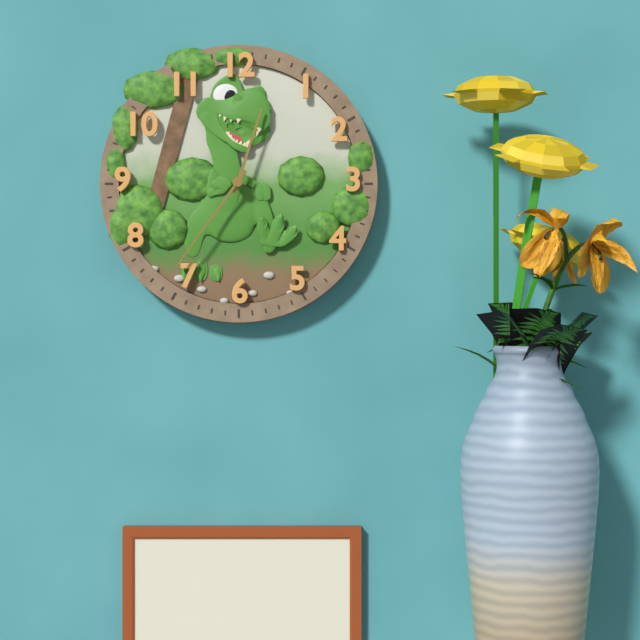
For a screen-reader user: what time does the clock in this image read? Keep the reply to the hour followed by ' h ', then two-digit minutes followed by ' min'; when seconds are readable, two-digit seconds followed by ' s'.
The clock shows 12 h 36 min
